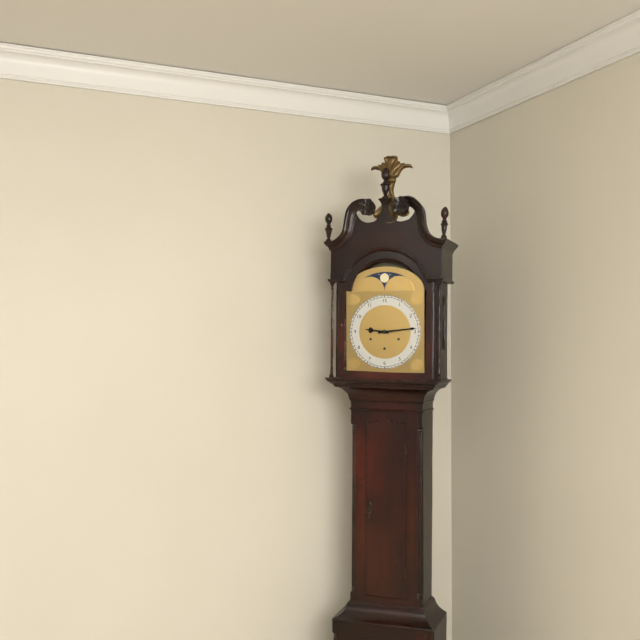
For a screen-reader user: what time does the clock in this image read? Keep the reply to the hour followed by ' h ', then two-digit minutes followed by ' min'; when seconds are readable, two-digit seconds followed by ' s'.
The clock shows 9 h 14 min
